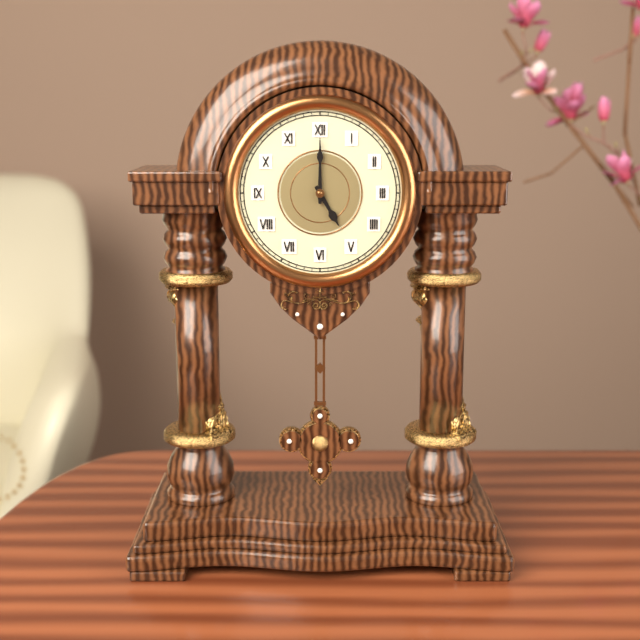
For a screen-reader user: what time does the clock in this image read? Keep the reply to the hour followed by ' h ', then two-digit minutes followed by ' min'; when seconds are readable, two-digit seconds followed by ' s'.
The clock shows 5 h 00 min
